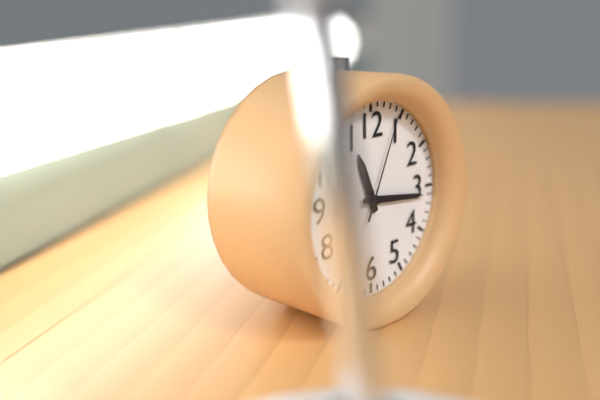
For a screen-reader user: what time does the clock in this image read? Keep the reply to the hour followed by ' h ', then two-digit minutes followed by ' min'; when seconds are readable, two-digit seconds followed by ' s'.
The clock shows 11 h 16 min 04 s
